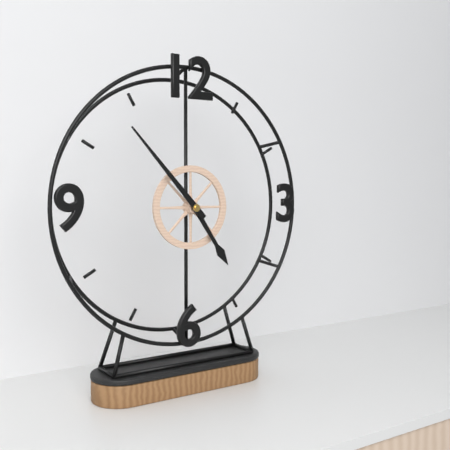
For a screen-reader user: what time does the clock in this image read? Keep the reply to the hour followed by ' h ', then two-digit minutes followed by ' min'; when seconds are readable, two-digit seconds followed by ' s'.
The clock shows 4 h 53 min
